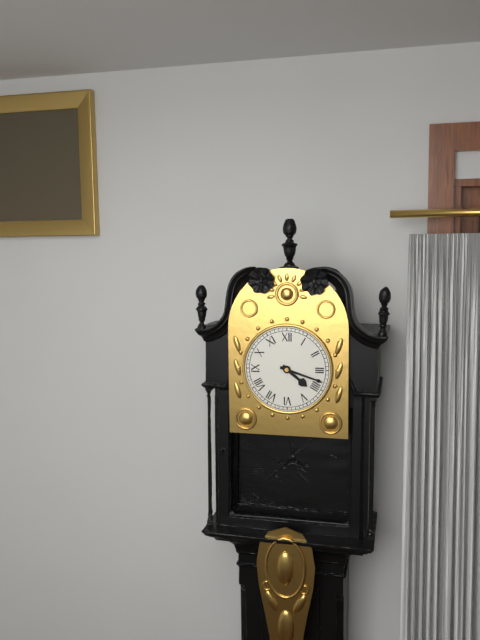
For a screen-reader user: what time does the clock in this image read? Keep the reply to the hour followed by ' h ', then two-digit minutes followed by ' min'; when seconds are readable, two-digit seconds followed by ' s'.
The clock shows 4 h 18 min
